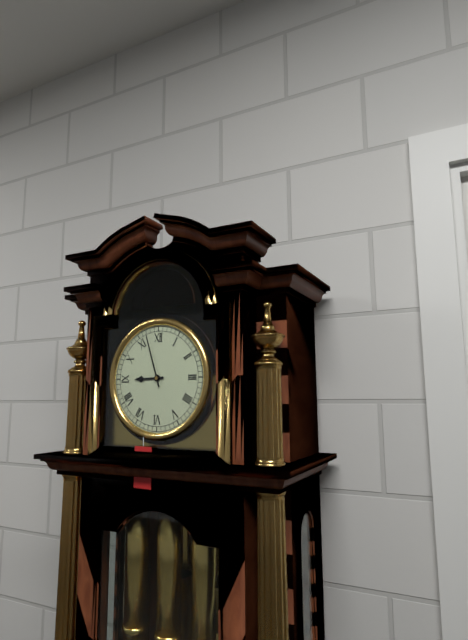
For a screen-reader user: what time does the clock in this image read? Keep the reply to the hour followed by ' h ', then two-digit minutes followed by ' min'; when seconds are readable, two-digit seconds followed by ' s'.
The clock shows 8 h 57 min
